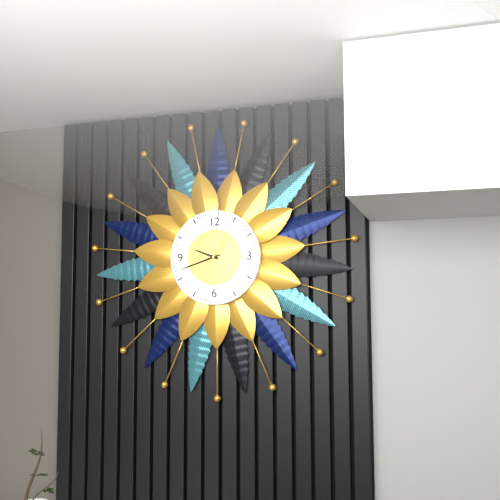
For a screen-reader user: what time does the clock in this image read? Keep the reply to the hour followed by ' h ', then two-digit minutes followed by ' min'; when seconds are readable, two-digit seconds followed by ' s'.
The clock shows 9 h 42 min 05 s
